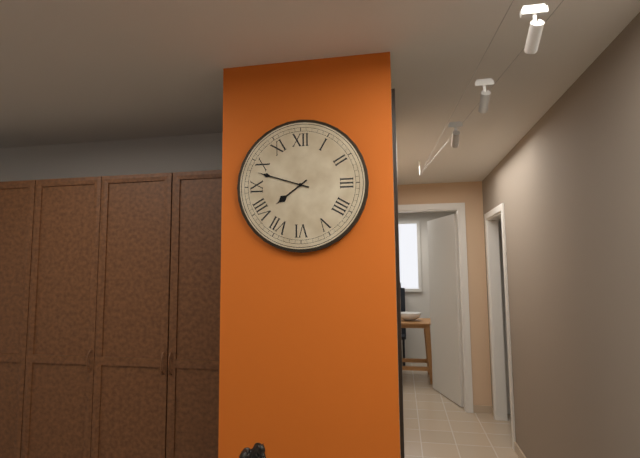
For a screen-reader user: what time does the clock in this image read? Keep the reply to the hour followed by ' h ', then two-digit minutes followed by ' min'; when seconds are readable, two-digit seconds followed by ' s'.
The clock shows 7 h 48 min
